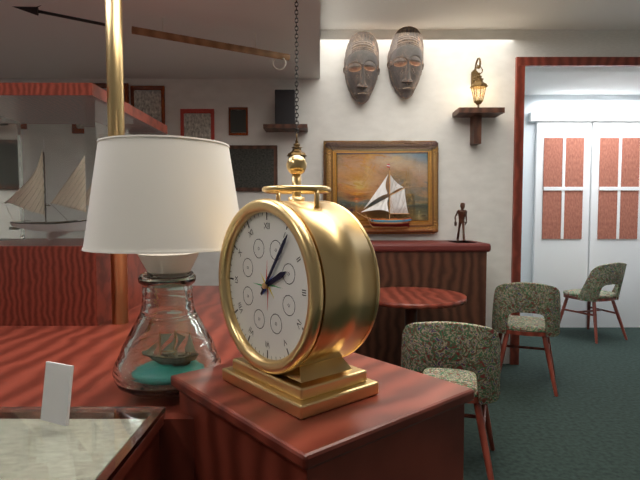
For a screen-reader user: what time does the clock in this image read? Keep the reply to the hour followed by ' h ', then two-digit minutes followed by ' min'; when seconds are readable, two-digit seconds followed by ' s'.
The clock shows 2 h 06 min
